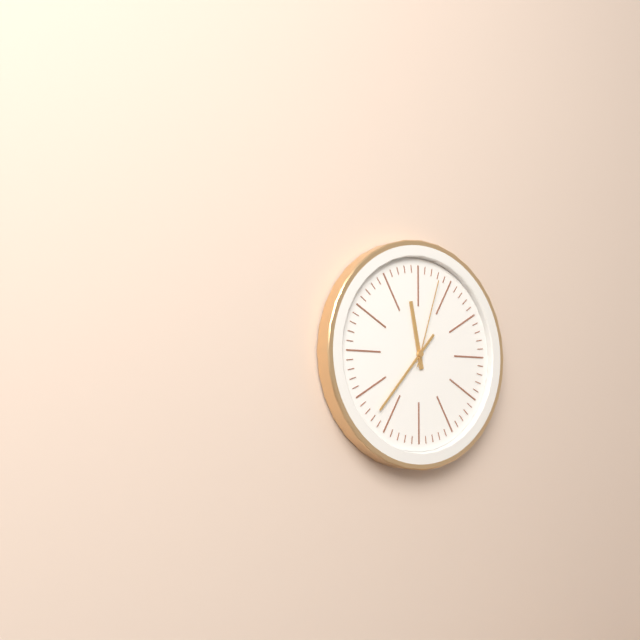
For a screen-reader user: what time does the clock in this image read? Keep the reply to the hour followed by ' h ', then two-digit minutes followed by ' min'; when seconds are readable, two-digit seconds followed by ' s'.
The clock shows 11 h 37 min 03 s
